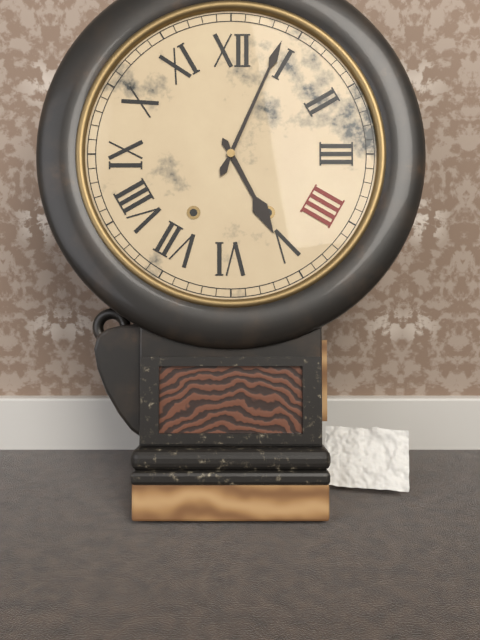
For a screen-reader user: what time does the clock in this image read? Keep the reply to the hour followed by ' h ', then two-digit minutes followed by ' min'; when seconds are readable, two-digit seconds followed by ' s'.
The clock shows 5 h 04 min
